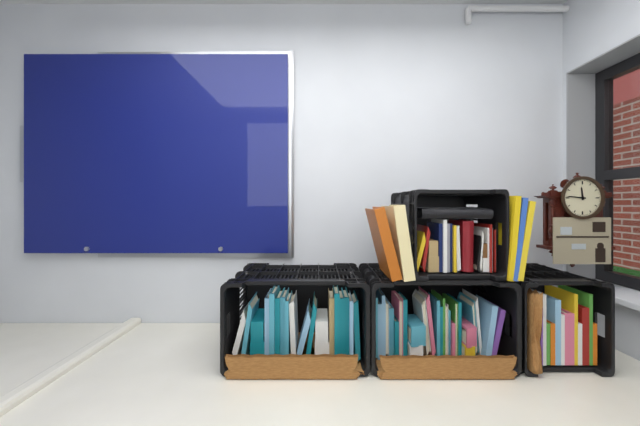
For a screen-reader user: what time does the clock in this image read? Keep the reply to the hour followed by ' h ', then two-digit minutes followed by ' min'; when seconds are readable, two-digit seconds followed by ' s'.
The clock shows 11 h 46 min
